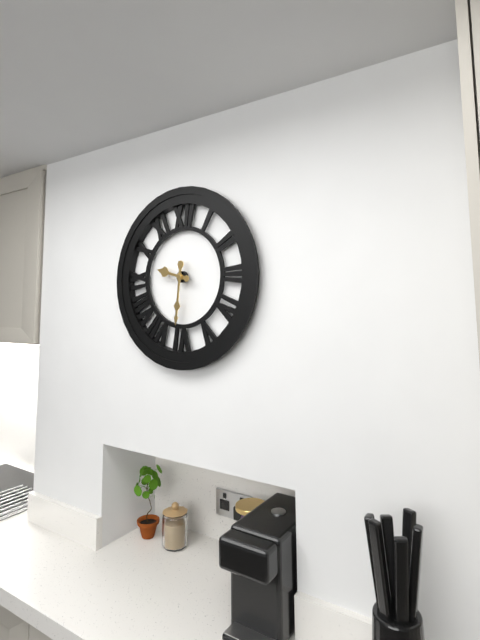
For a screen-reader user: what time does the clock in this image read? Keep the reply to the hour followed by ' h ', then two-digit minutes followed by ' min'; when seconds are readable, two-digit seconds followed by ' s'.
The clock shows 9 h 31 min
